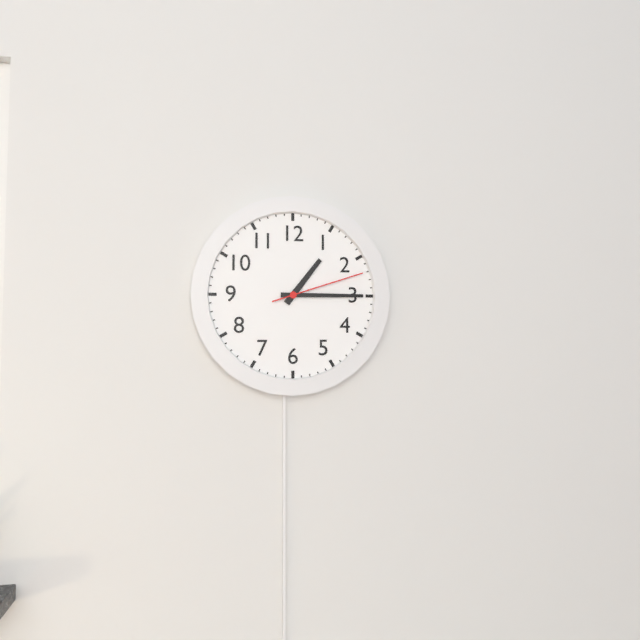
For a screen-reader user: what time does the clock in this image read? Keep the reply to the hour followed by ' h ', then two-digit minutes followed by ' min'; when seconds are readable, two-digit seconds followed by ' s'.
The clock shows 1 h 15 min 12 s
